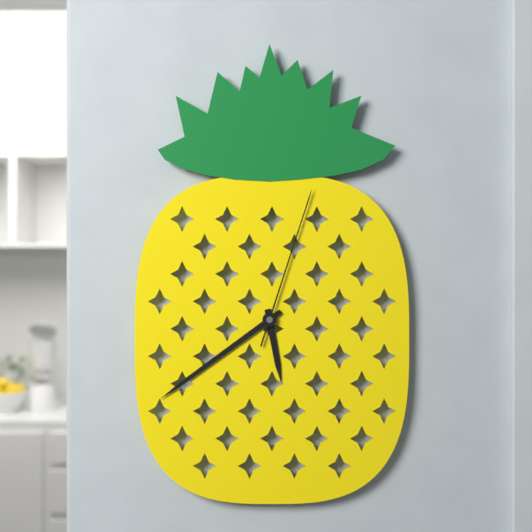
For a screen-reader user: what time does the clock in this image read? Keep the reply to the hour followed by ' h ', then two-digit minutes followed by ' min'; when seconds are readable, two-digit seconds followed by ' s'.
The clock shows 5 h 39 min 03 s
